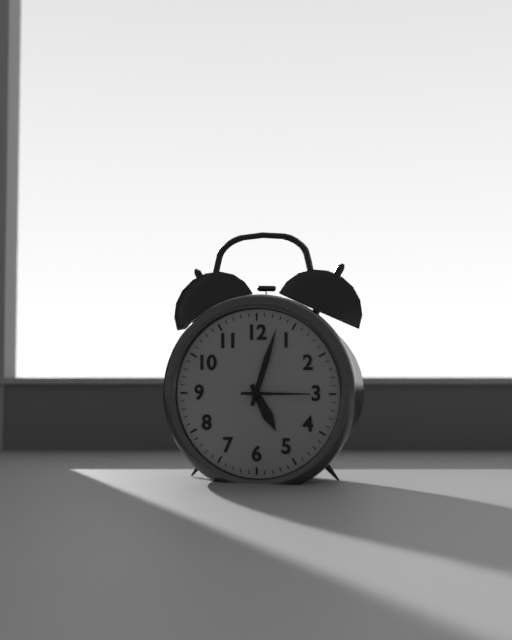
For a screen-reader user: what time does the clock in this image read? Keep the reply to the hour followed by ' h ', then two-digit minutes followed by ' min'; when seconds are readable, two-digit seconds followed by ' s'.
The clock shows 5 h 03 min 15 s
